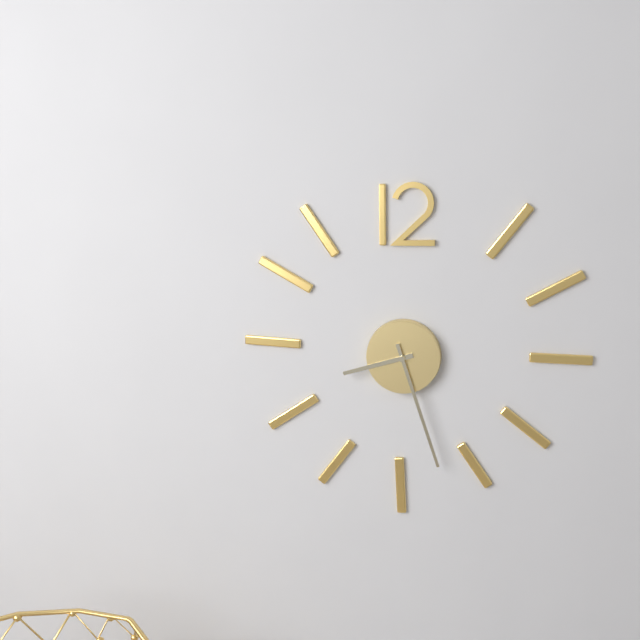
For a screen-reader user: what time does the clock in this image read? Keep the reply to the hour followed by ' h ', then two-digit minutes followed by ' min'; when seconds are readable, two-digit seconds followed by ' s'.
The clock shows 8 h 27 min
